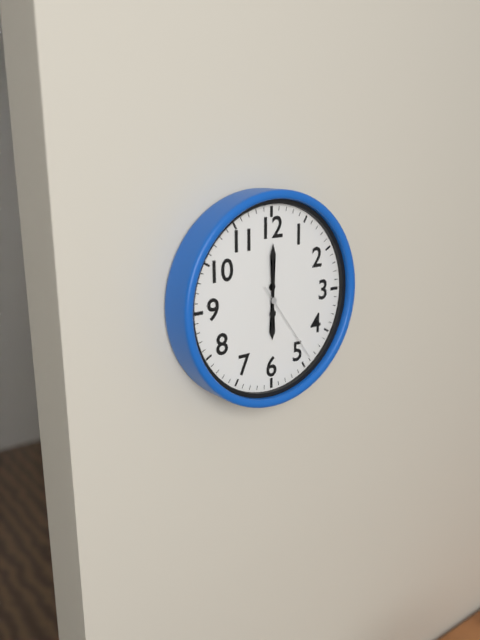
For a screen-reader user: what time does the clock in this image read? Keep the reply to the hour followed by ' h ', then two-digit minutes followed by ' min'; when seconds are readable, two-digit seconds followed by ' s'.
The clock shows 6 h 00 min 24 s
